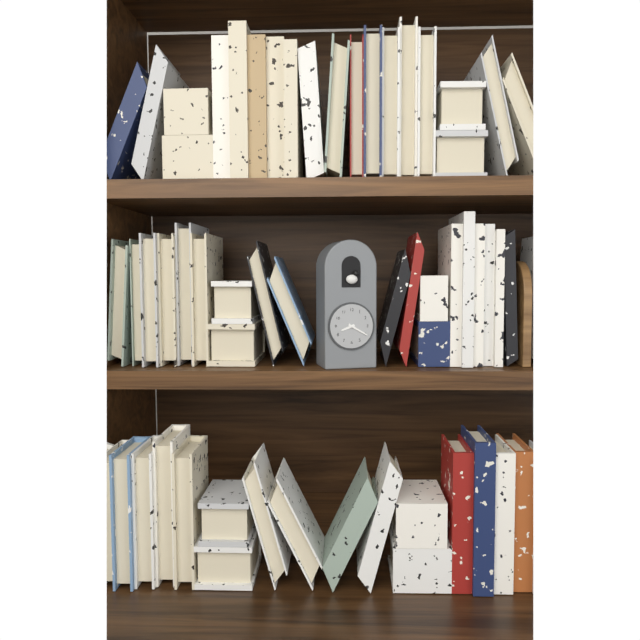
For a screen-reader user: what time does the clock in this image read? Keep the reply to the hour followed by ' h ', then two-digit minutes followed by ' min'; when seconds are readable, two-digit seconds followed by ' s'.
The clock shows 8 h 20 min
